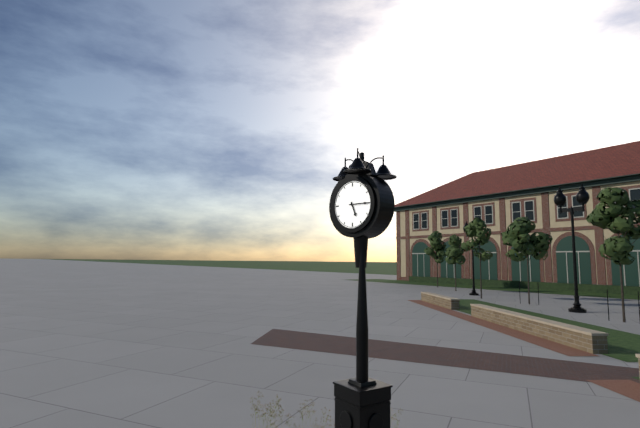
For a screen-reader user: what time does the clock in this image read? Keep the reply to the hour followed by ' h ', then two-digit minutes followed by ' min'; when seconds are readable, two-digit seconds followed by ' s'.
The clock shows 5 h 15 min
